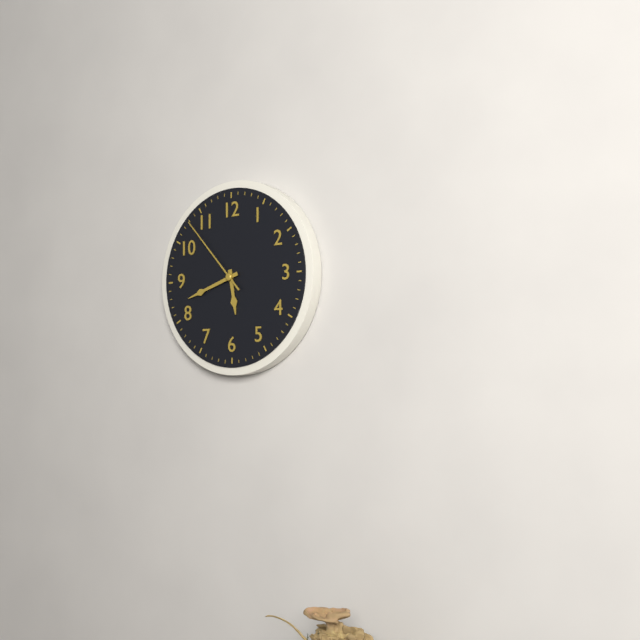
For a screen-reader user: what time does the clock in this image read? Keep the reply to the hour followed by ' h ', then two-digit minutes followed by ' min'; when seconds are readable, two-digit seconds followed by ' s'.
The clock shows 5 h 42 min 53 s
